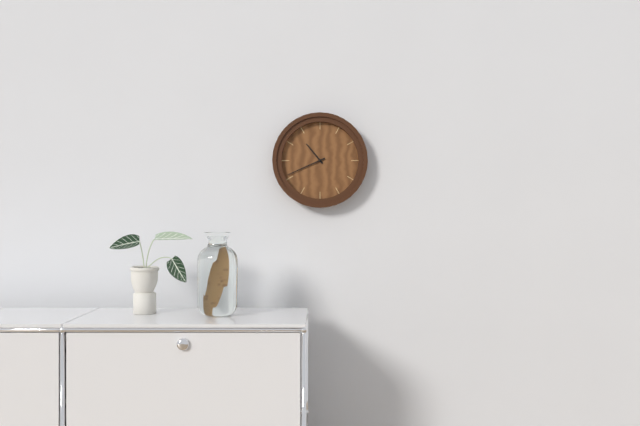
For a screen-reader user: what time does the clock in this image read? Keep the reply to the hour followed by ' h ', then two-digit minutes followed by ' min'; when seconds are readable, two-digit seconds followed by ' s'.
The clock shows 10 h 41 min
